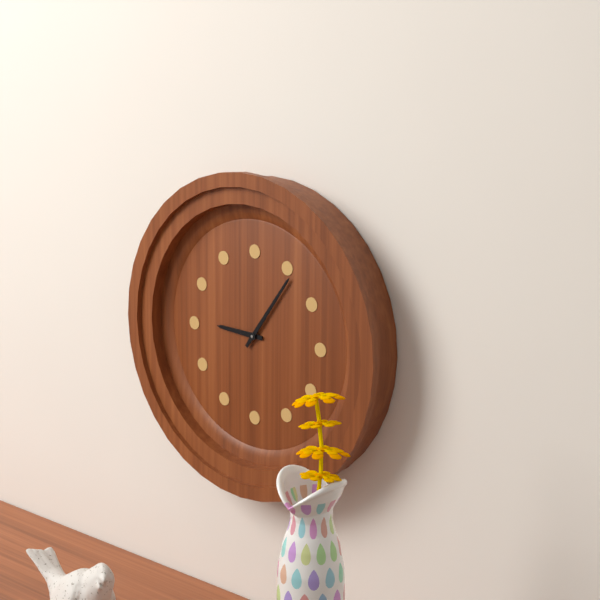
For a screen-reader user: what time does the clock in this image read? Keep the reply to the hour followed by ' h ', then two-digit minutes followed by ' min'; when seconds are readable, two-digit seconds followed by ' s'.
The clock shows 9 h 06 min
